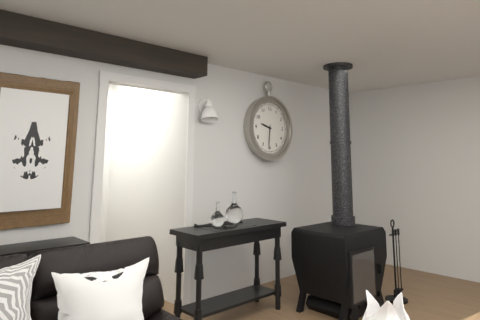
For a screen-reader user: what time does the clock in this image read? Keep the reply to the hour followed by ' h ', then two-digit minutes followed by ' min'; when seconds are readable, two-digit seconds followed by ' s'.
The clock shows 9 h 31 min
